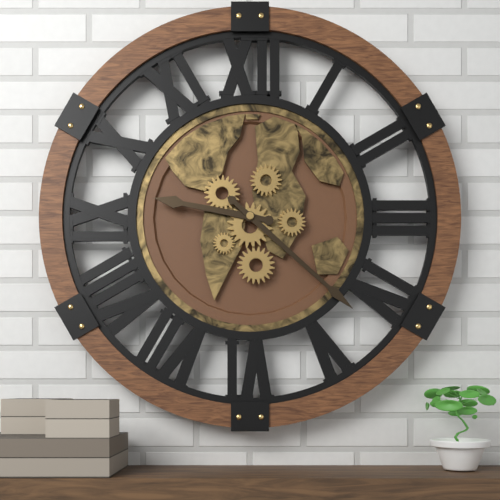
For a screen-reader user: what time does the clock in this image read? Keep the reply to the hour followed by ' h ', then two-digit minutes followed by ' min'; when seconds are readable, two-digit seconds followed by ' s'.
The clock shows 9 h 22 min
